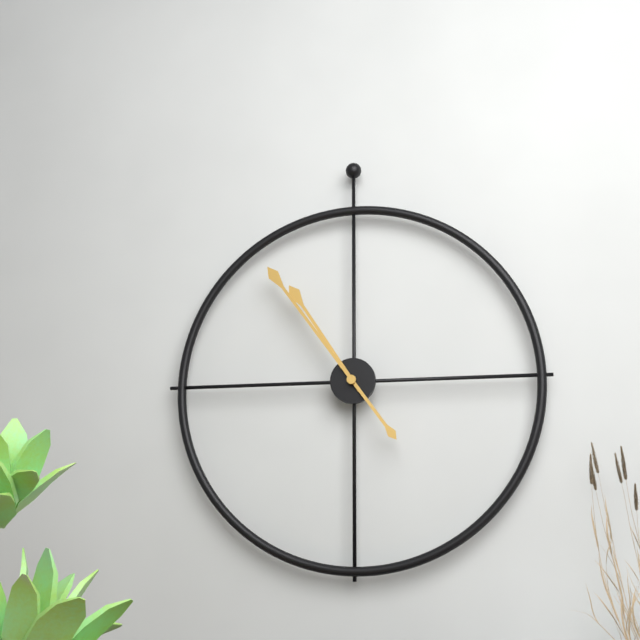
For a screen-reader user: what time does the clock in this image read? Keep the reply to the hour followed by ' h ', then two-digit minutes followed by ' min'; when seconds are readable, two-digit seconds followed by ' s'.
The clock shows 10 h 54 min
